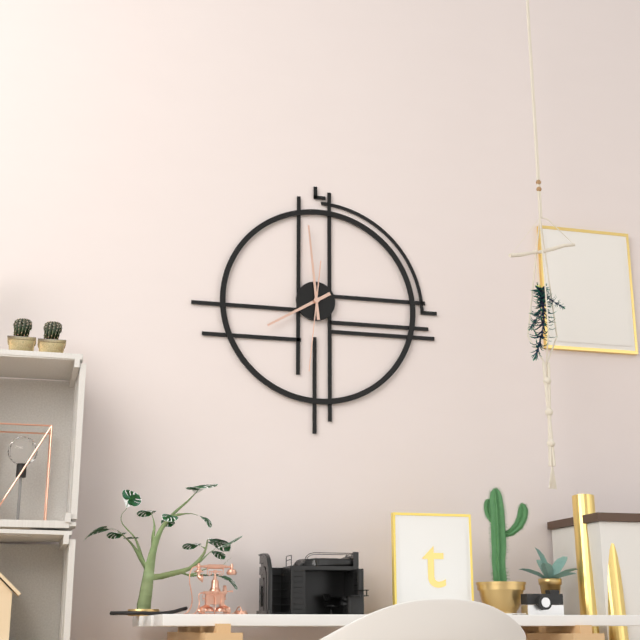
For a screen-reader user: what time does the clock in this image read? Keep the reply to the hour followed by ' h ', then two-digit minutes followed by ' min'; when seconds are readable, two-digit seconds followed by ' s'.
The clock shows 7 h 59 min 31 s
